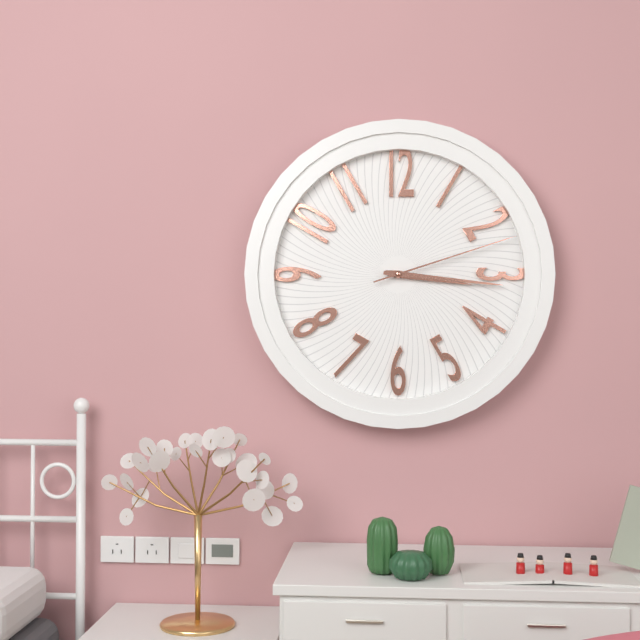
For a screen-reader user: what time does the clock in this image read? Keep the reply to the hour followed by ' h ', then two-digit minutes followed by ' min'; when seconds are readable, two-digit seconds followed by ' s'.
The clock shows 3 h 16 min 12 s
